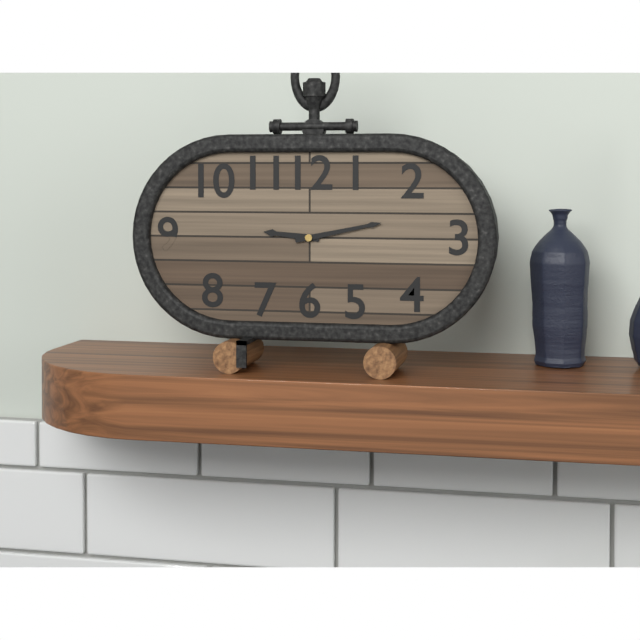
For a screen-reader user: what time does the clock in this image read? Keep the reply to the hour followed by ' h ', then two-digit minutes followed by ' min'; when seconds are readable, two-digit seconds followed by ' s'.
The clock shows 9 h 13 min
